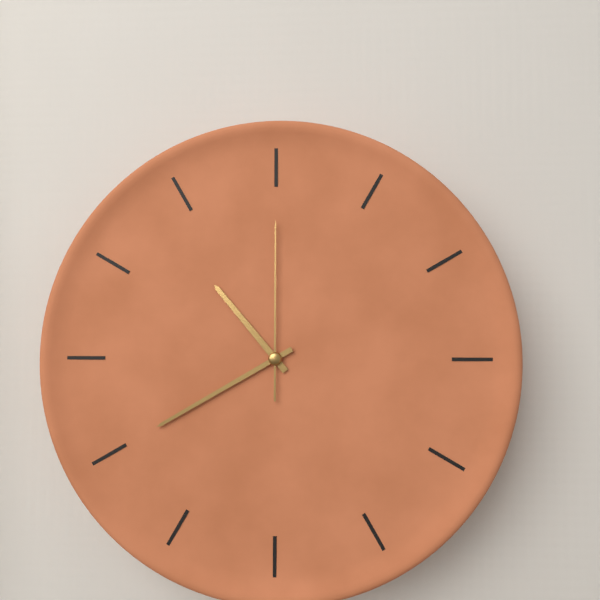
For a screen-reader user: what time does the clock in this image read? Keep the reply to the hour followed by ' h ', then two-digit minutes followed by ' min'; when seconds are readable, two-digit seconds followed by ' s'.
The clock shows 10 h 40 min 00 s
